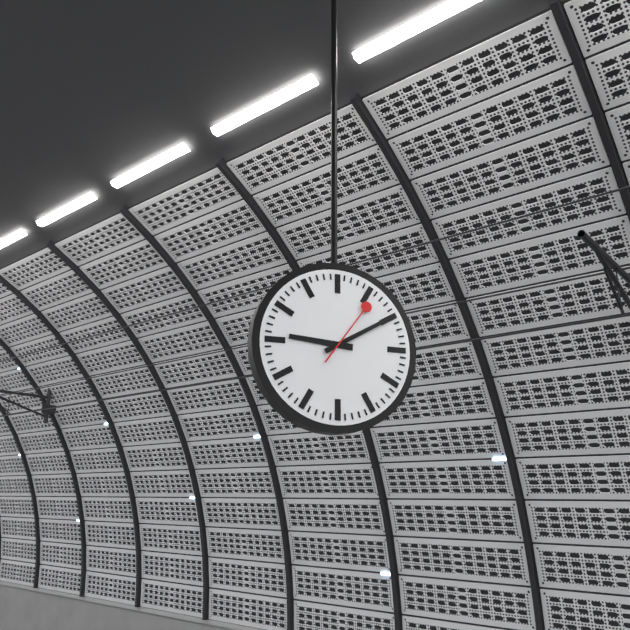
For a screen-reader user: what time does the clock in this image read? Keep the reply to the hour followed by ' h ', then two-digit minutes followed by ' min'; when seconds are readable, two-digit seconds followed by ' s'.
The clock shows 9 h 10 min 06 s
